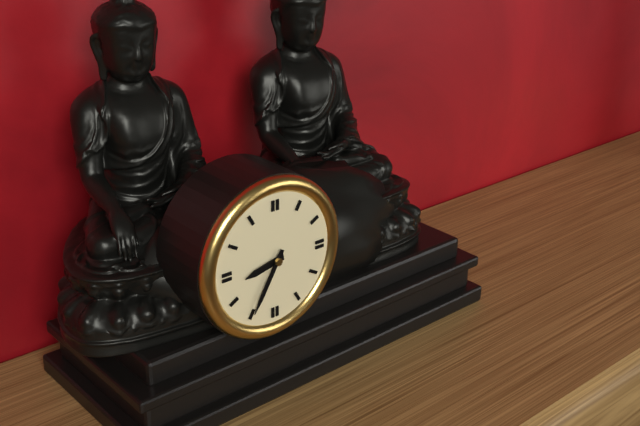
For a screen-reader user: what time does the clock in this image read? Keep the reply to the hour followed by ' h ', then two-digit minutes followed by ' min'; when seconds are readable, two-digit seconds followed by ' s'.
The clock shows 8 h 35 min
